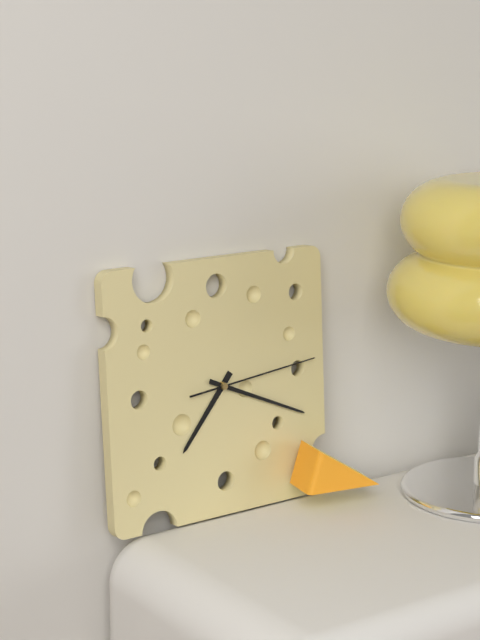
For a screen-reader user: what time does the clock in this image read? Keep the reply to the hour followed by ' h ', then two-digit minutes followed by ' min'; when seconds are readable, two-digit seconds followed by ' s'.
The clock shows 7 h 19 min 14 s
